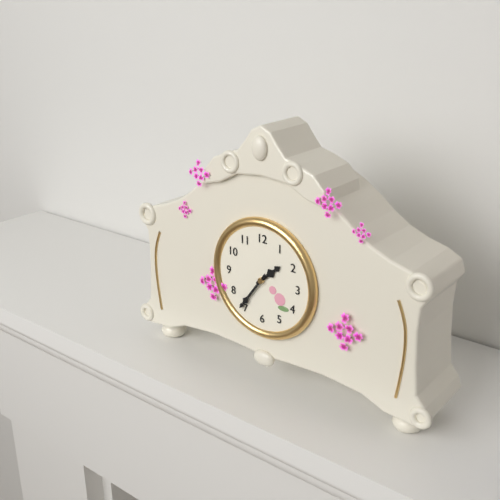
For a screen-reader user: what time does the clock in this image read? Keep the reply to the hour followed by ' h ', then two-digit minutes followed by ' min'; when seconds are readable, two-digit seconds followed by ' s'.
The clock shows 1 h 36 min
